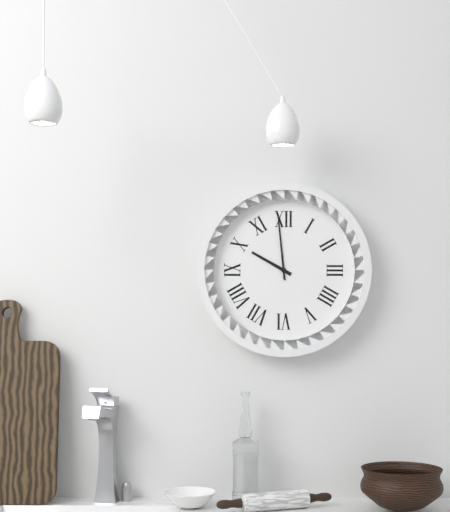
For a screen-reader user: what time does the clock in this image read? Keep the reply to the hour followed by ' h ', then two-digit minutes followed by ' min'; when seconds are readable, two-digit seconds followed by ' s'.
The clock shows 9 h 59 min
